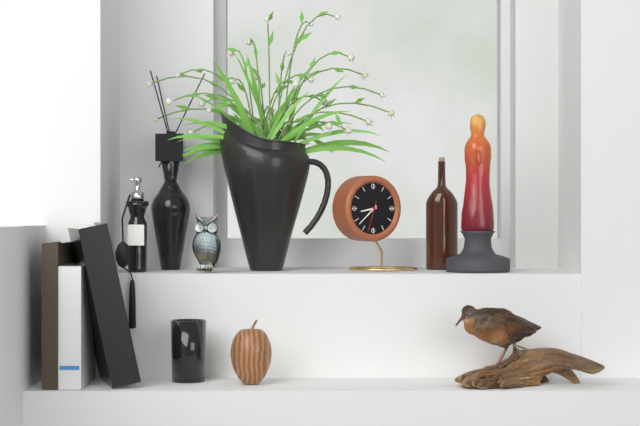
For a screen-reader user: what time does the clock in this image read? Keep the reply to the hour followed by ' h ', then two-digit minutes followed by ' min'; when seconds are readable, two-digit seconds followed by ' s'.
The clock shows 8 h 38 min
